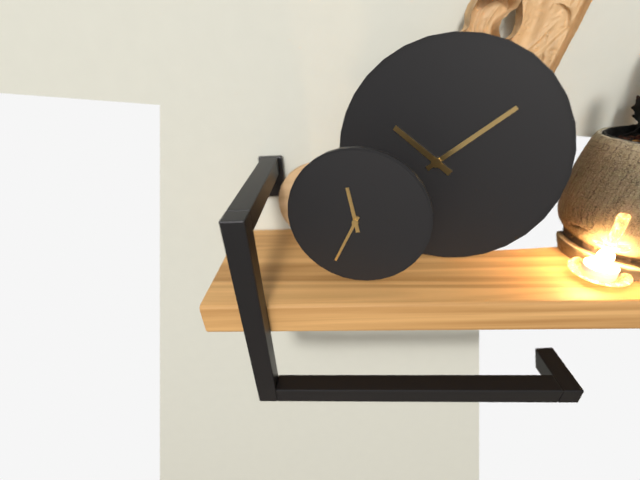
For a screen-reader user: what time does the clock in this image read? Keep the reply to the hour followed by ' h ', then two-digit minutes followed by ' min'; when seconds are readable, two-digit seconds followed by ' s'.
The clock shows 11 h 34 min
